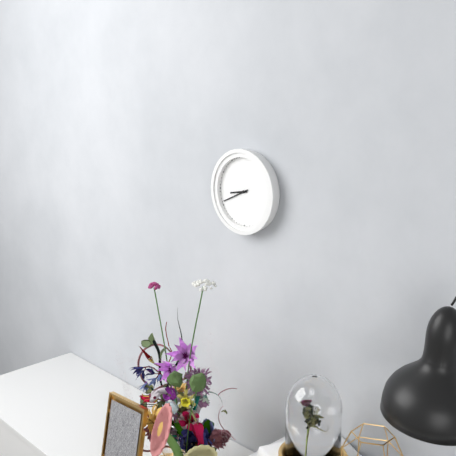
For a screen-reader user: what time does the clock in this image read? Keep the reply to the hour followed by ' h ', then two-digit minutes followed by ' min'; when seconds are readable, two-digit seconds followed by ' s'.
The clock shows 8 h 41 min
